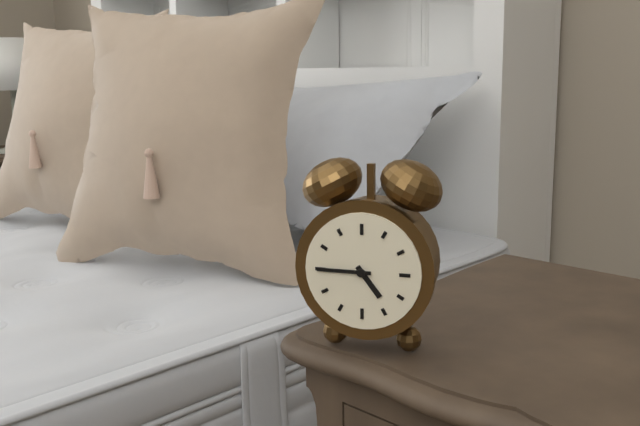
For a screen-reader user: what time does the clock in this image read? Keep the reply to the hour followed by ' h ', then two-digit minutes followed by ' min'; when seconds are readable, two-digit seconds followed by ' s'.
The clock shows 4 h 45 min
